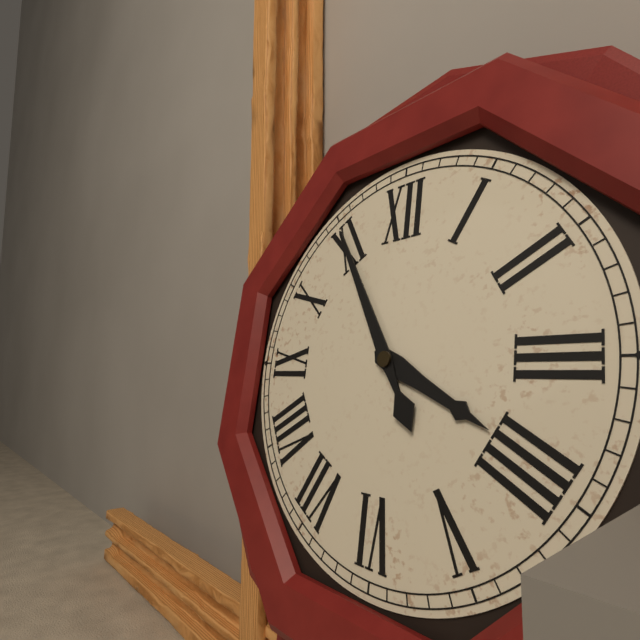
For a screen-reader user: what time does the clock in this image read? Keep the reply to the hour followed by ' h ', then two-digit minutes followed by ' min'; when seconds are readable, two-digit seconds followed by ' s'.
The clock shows 3 h 55 min
